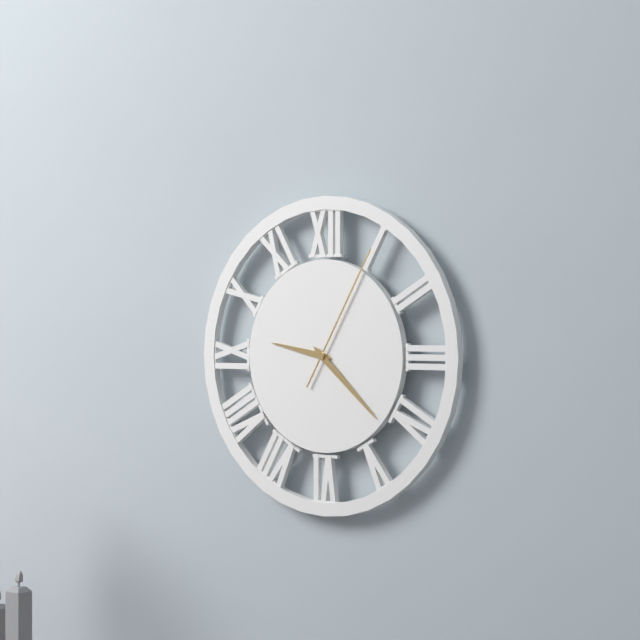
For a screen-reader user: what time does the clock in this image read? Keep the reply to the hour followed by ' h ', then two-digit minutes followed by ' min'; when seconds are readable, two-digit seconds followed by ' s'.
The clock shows 9 h 22 min 05 s
